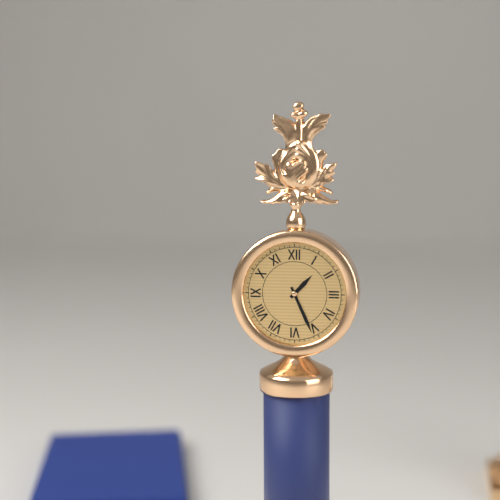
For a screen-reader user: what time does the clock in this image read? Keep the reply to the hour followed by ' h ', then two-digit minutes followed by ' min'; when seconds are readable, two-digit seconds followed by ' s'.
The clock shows 1 h 26 min
